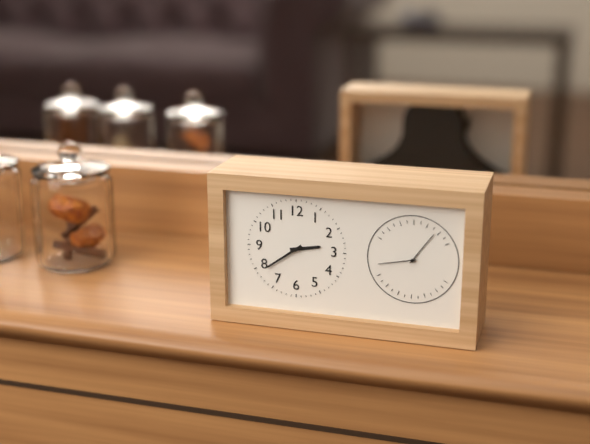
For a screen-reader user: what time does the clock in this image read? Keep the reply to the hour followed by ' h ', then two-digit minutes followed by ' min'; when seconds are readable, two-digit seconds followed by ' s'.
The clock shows 2 h 39 min
